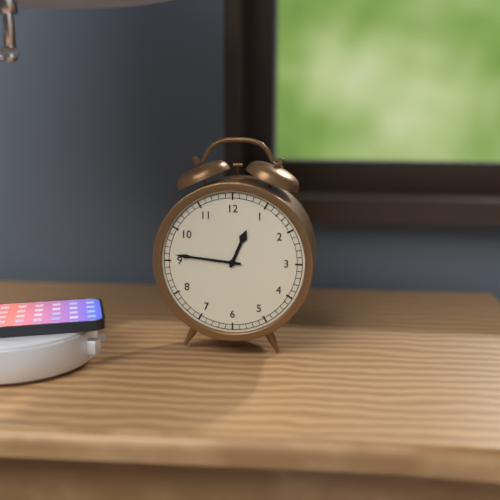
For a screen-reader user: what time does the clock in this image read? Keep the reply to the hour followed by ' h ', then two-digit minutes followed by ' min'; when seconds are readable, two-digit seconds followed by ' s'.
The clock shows 12 h 46 min
